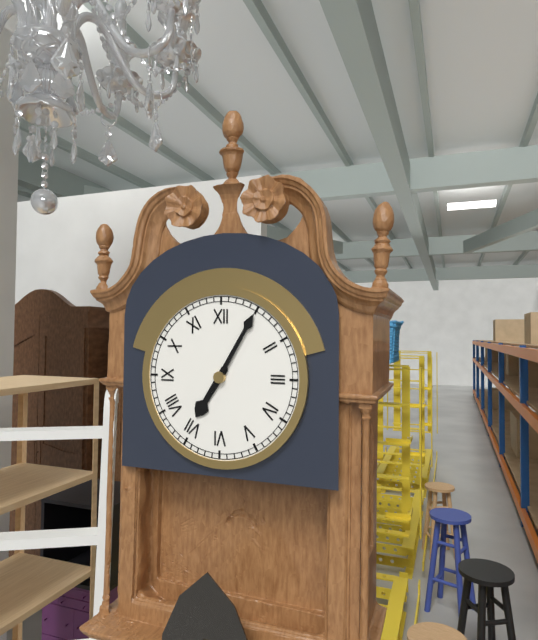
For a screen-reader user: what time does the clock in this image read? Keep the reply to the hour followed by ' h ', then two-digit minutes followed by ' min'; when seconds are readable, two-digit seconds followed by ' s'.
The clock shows 7 h 05 min
